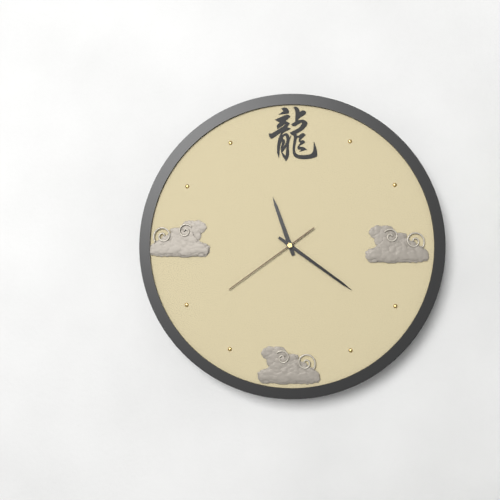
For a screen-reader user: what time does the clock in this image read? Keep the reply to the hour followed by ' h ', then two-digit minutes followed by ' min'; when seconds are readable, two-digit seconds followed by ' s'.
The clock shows 11 h 21 min 39 s
